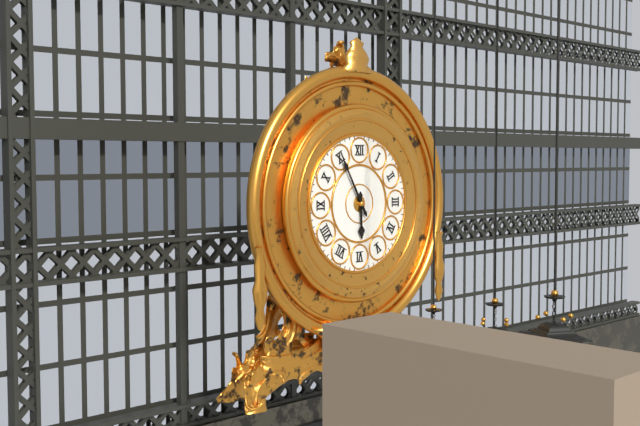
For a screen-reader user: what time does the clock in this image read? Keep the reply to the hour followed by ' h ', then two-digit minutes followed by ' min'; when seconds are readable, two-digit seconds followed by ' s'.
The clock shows 5 h 55 min
